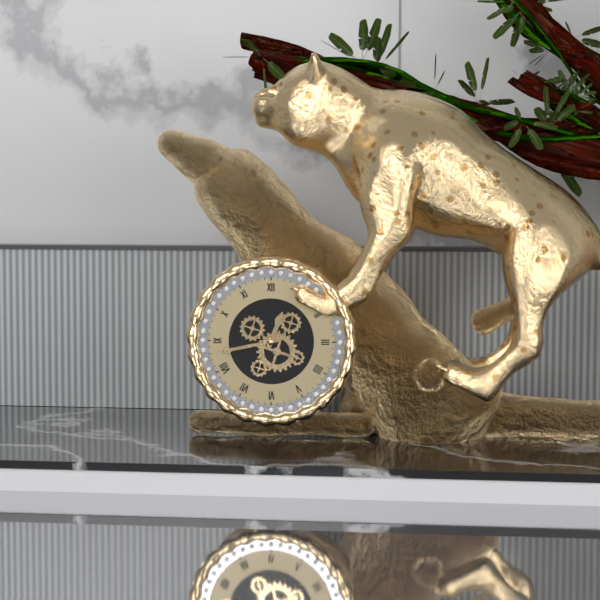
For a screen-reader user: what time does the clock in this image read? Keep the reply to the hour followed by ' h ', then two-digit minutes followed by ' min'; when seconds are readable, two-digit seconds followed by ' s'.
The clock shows 12 h 43 min
